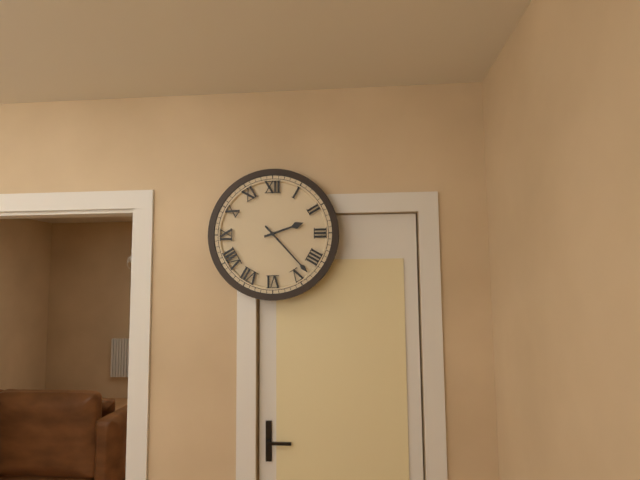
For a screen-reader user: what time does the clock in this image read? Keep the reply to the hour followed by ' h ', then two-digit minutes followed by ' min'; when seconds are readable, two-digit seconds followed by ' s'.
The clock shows 2 h 23 min
